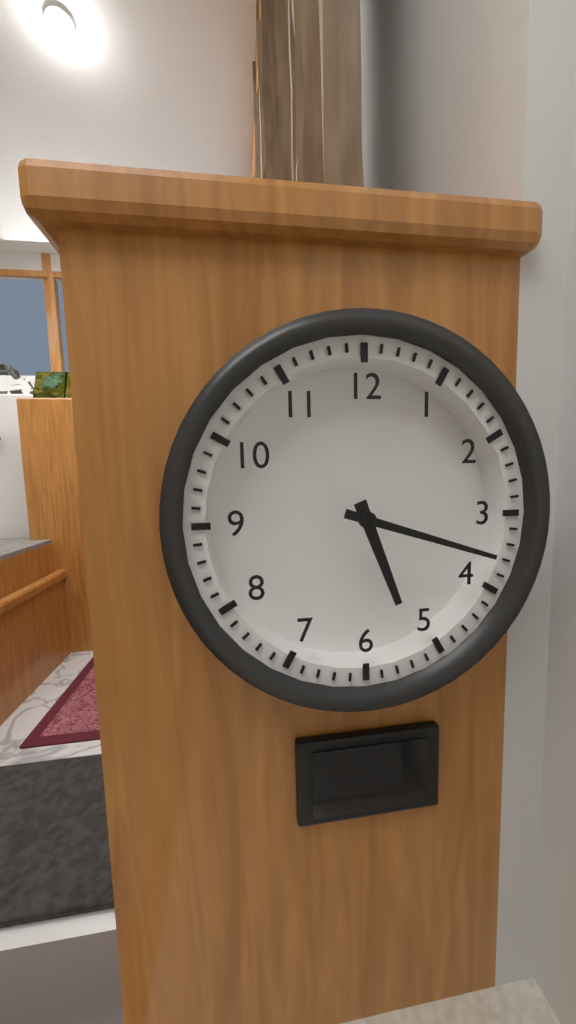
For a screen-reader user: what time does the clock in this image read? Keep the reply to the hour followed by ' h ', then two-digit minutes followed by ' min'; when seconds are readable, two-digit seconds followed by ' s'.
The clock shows 5 h 18 min
